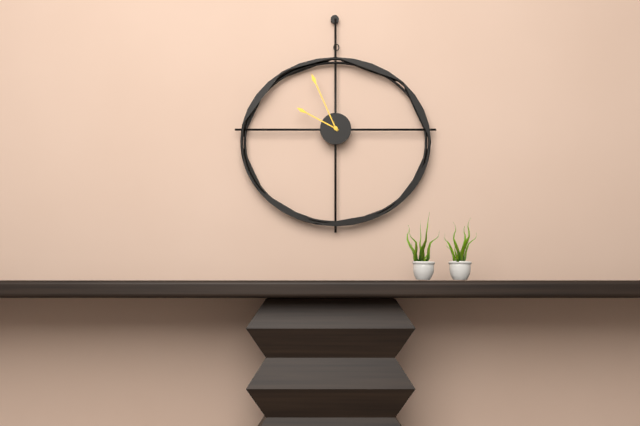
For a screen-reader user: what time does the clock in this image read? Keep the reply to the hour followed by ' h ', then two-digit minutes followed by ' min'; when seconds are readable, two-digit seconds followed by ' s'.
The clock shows 9 h 56 min
